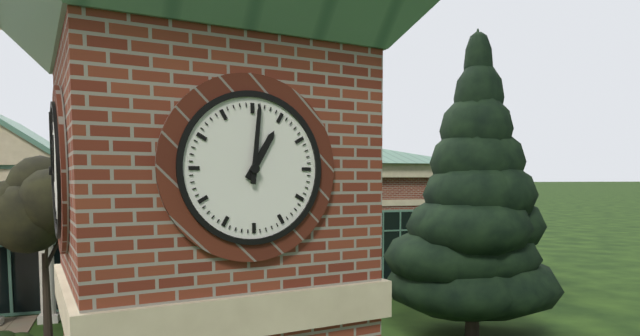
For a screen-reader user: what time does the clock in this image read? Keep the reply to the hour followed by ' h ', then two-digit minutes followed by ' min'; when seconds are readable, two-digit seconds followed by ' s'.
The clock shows 1 h 01 min
